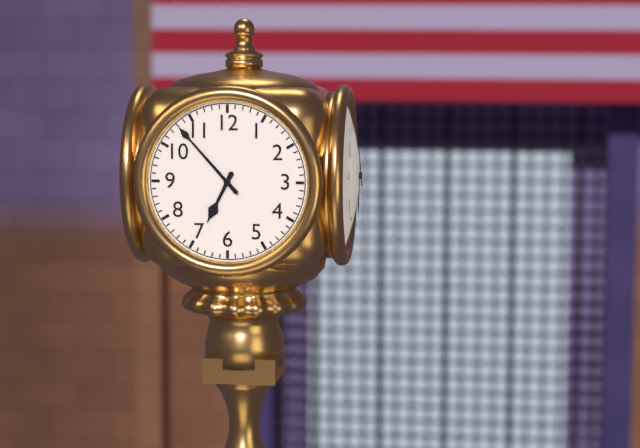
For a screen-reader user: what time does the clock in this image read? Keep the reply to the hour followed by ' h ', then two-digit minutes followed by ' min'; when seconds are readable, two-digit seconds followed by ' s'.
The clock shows 6 h 53 min
